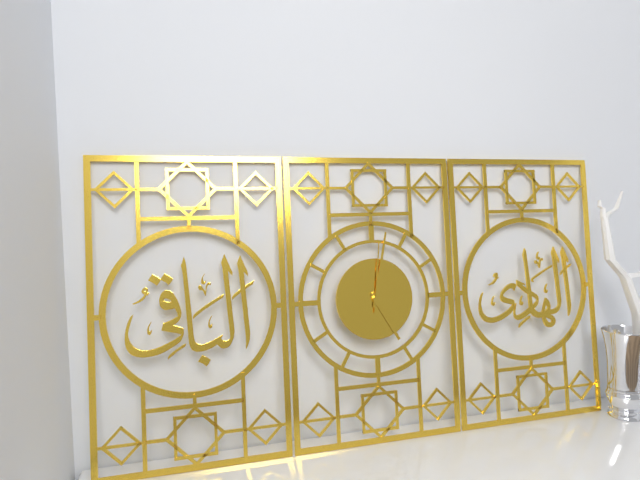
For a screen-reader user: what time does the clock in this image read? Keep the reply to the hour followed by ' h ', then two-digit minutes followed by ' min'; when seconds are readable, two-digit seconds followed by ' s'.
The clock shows 5 h 02 min 01 s
